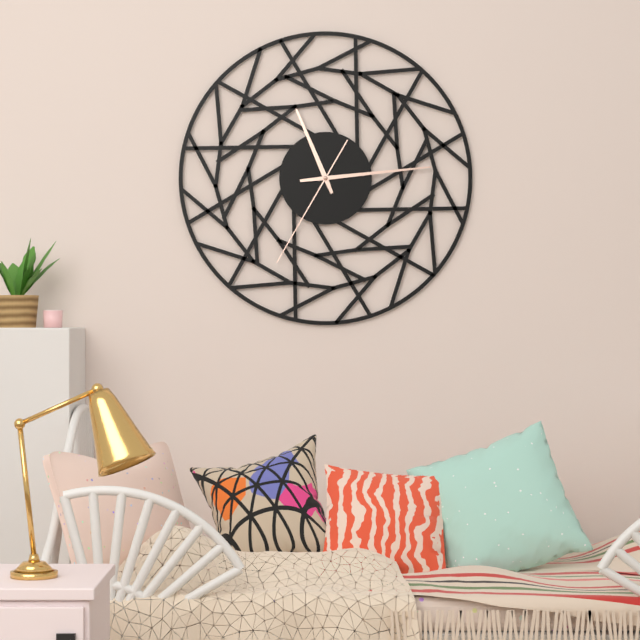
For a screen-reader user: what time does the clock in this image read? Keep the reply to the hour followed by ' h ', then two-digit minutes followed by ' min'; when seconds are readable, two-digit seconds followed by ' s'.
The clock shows 11 h 14 min 35 s
